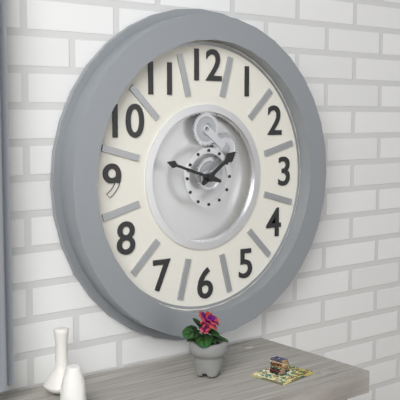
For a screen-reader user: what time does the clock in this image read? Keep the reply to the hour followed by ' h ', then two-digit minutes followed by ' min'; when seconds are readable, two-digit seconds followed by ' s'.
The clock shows 1 h 48 min
